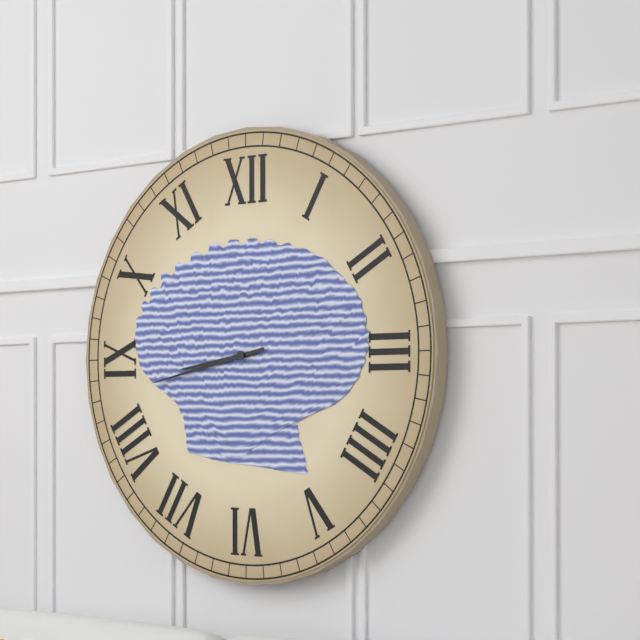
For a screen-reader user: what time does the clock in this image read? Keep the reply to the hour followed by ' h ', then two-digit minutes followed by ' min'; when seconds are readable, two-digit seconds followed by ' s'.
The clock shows 8 h 43 min
